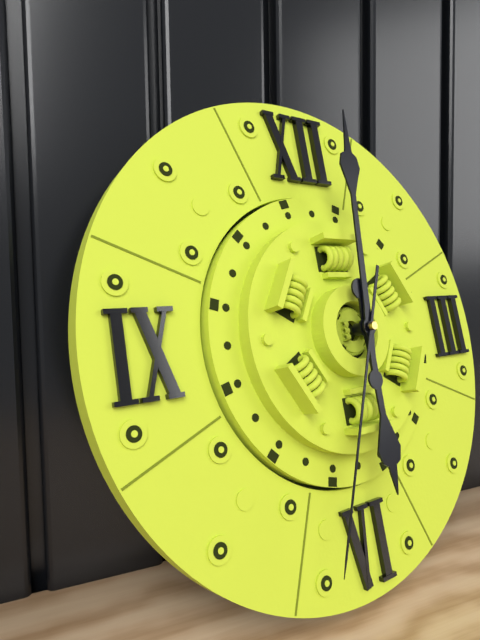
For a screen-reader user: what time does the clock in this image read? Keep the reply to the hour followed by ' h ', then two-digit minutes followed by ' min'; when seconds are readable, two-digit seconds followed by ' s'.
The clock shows 6 h 01 min 34 s
